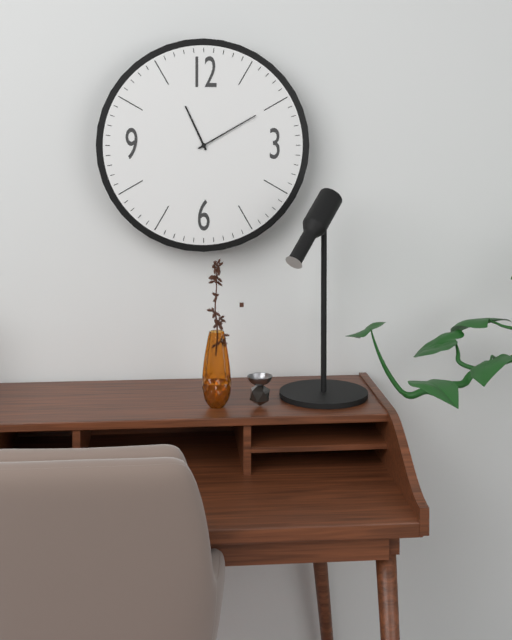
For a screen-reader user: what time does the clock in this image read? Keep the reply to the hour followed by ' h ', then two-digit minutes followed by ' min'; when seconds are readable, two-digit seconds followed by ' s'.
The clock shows 11 h 10 min
